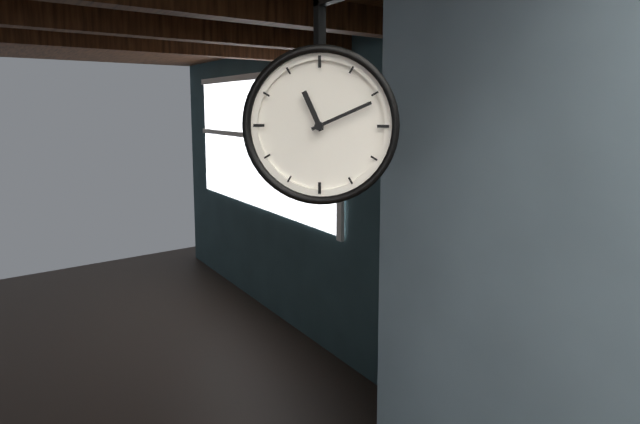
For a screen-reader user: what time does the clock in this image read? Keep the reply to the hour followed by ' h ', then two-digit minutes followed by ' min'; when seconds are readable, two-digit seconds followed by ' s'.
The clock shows 11 h 11 min
